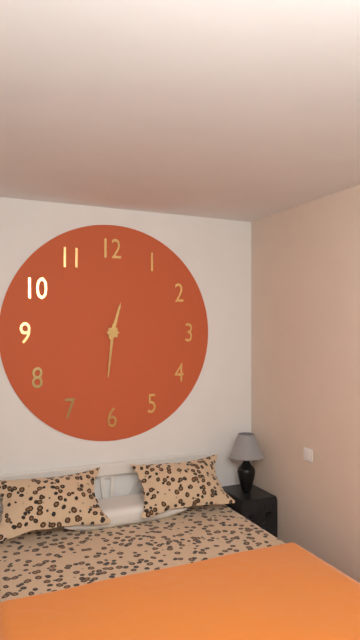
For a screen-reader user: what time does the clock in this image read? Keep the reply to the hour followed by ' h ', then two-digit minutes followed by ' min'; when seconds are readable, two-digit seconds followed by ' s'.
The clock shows 12 h 31 min
